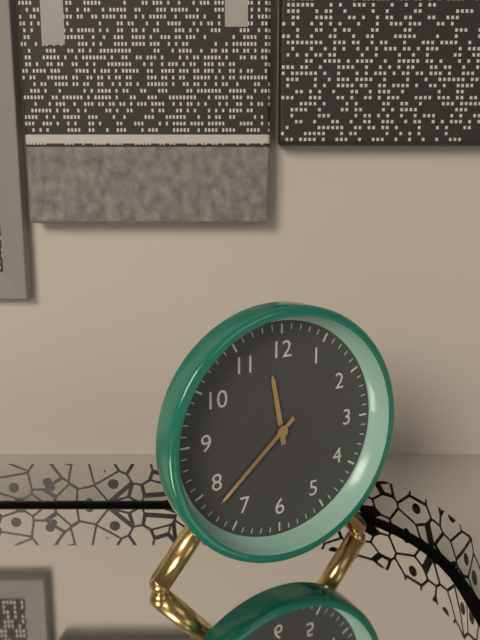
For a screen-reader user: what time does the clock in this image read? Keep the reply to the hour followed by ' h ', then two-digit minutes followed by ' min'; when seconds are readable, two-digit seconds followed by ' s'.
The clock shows 11 h 38 min
